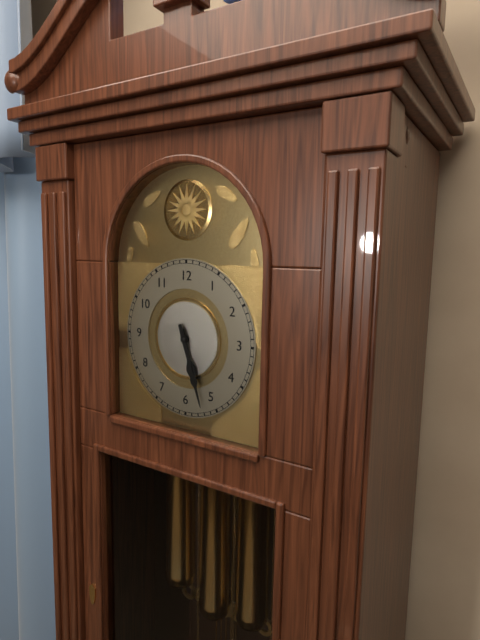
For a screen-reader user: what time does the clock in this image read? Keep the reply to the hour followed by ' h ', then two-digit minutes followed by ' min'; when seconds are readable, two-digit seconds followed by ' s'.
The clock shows 5 h 27 min
